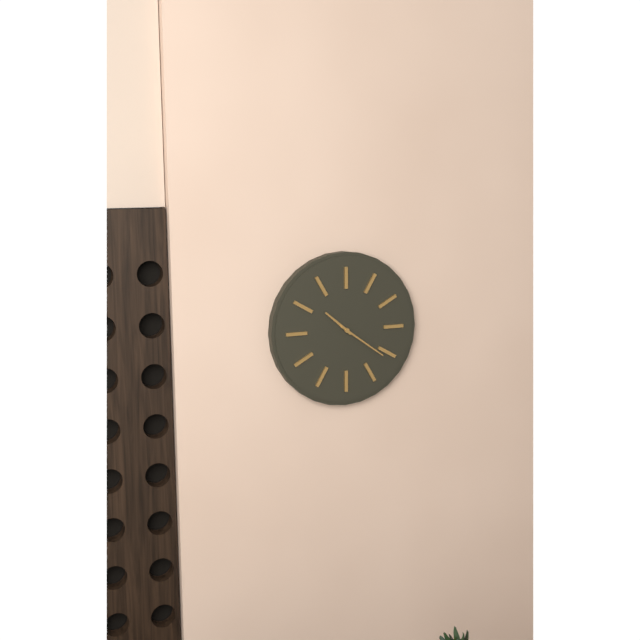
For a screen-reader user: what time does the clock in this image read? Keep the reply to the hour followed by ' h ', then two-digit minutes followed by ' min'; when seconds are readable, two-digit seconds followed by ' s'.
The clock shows 10 h 21 min
